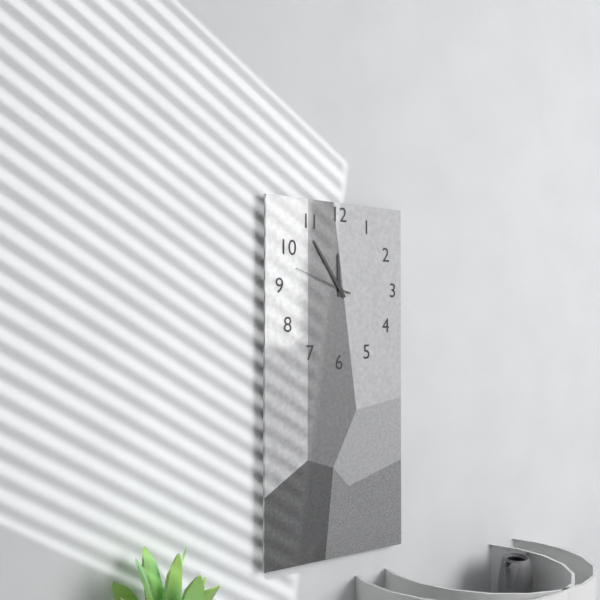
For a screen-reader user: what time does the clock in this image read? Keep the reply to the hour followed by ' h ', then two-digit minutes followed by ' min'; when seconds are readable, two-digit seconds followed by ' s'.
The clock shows 11 h 54 min 48 s
